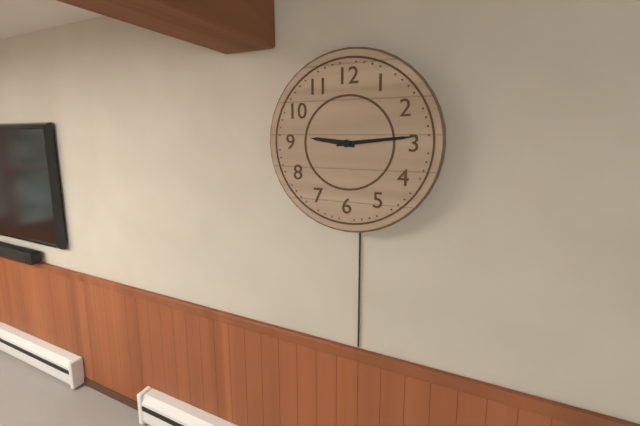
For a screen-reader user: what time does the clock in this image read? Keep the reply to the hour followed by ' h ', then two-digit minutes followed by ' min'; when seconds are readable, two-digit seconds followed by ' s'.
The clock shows 9 h 14 min
